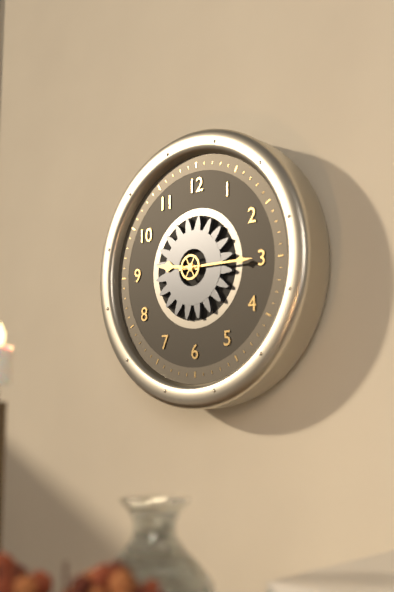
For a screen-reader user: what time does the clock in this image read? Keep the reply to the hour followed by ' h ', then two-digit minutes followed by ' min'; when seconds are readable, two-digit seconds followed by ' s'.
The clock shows 9 h 15 min
